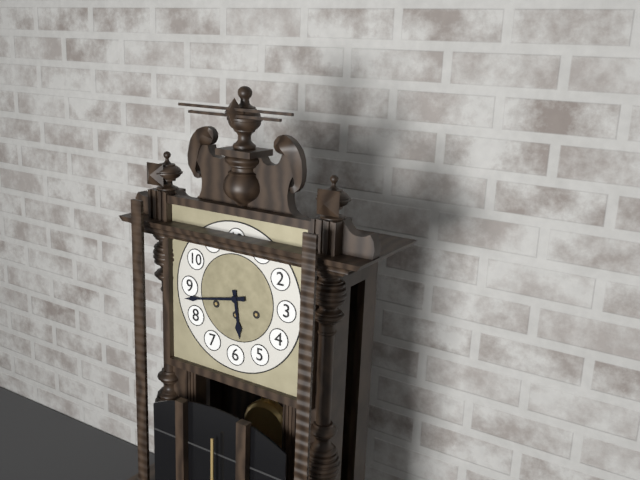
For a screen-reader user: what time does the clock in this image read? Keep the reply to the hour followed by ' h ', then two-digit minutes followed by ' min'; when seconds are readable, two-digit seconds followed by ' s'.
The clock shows 5 h 43 min
